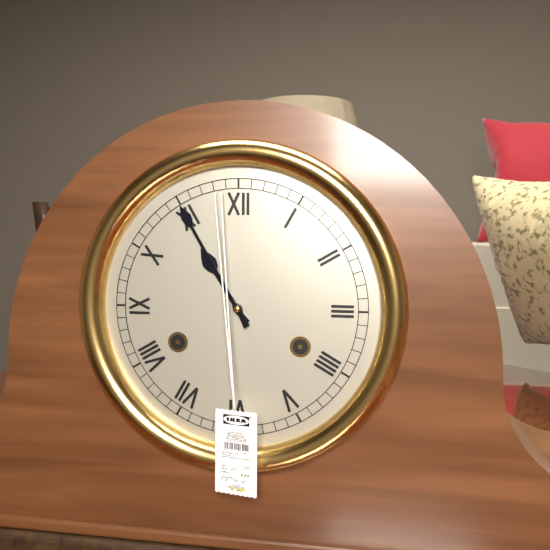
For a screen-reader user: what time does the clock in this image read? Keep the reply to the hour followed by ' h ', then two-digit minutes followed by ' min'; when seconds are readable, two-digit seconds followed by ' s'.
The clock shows 10 h 55 min
